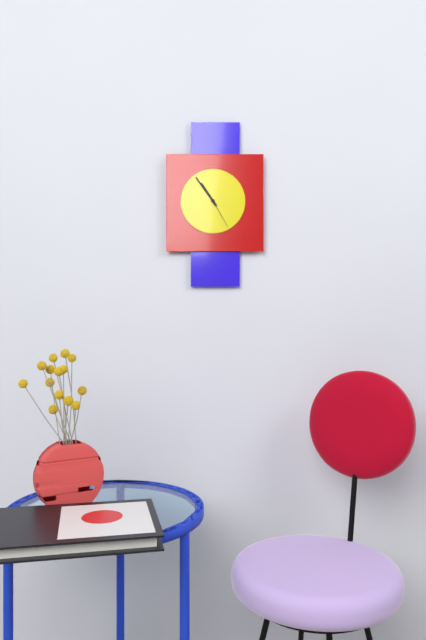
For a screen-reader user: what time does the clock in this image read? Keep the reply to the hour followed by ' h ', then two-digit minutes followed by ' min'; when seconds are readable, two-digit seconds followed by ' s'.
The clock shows 10 h 54 min
